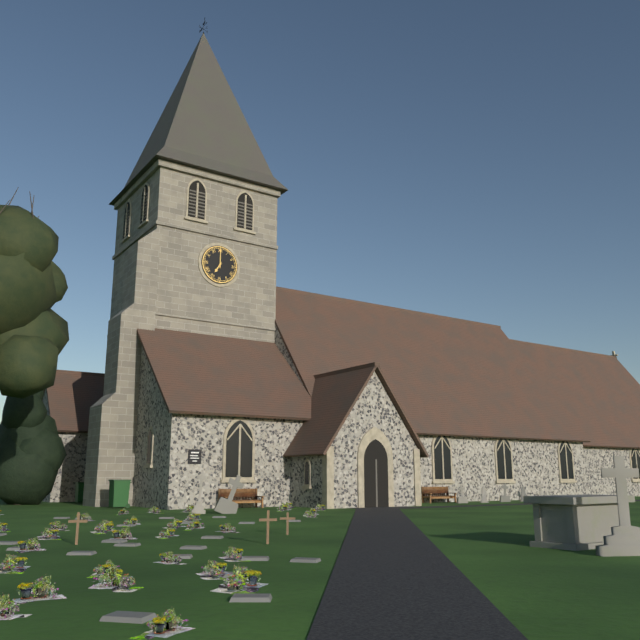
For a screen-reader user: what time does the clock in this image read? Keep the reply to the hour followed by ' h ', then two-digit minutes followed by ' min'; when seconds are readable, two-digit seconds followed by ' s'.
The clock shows 7 h 00 min
